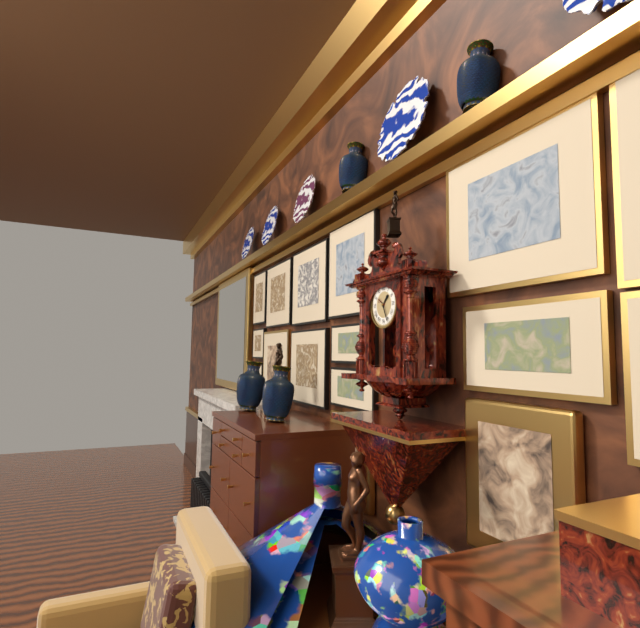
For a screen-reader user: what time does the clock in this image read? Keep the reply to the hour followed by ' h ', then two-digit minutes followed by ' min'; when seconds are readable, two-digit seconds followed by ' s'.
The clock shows 1 h 26 min
